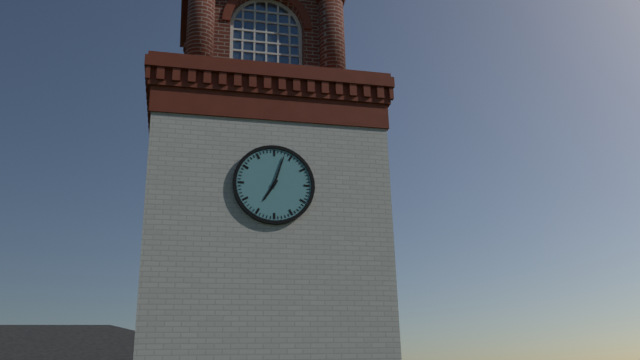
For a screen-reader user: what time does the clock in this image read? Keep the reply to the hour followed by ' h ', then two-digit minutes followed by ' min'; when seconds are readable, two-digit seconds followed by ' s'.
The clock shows 7 h 03 min
